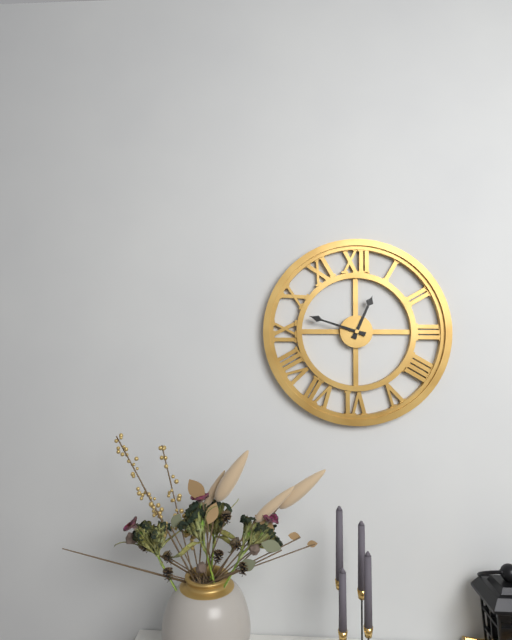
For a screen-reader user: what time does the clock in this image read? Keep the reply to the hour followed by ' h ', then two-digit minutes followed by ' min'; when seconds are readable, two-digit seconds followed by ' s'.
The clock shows 12 h 48 min
